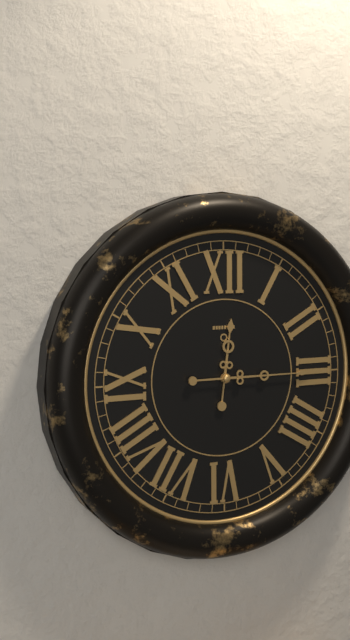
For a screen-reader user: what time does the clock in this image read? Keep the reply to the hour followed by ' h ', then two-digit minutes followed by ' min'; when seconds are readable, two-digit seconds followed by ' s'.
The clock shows 12 h 15 min
